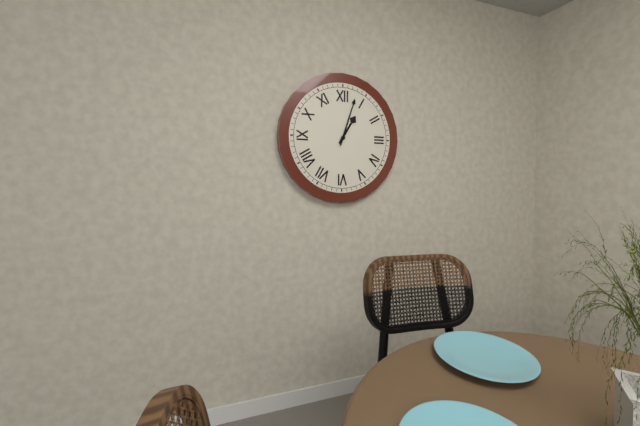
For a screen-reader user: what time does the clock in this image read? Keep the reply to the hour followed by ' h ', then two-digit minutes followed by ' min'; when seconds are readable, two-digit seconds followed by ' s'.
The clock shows 1 h 03 min
